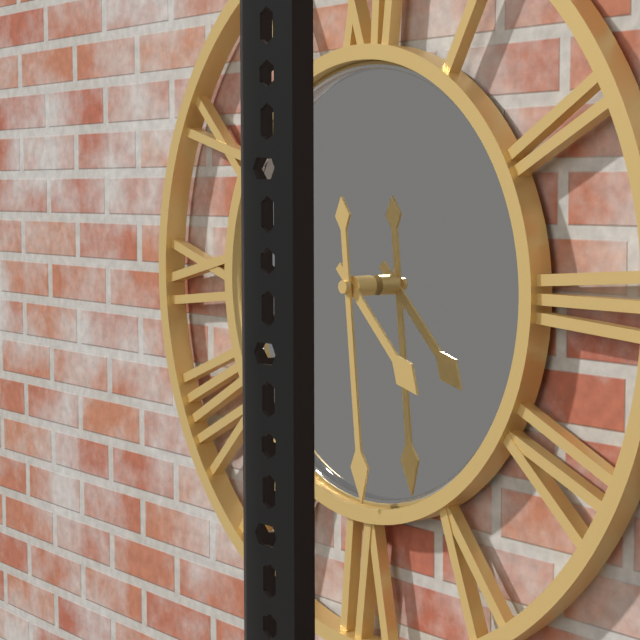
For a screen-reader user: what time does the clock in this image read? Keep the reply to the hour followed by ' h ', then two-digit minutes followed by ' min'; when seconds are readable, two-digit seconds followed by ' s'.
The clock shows 4 h 29 min
